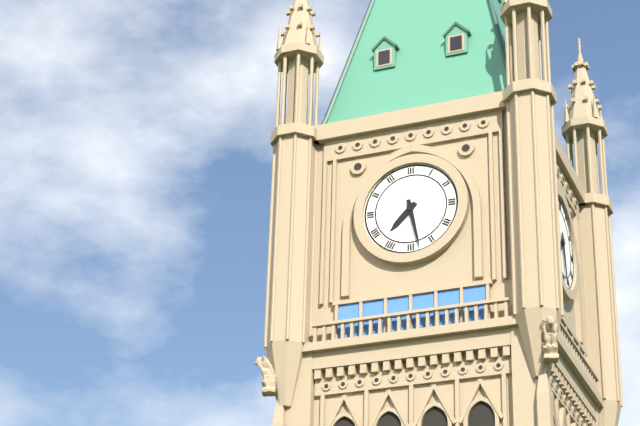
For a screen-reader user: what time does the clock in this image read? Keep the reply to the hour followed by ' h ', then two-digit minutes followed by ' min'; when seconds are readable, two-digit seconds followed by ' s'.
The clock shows 7 h 28 min
